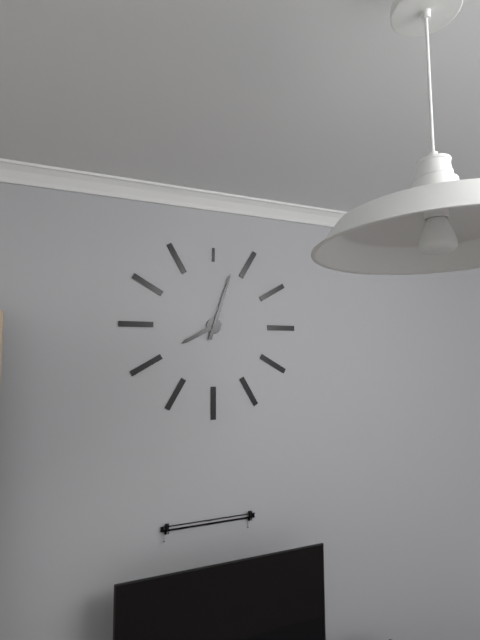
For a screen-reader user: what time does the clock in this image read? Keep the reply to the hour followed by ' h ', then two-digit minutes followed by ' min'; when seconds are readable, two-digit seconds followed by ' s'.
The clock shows 8 h 03 min
